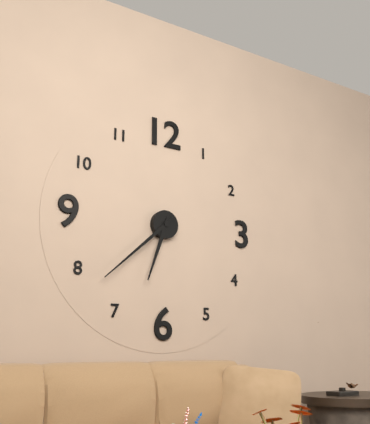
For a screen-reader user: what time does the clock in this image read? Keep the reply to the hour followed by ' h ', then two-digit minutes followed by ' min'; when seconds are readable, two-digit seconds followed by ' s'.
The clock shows 6 h 38 min
